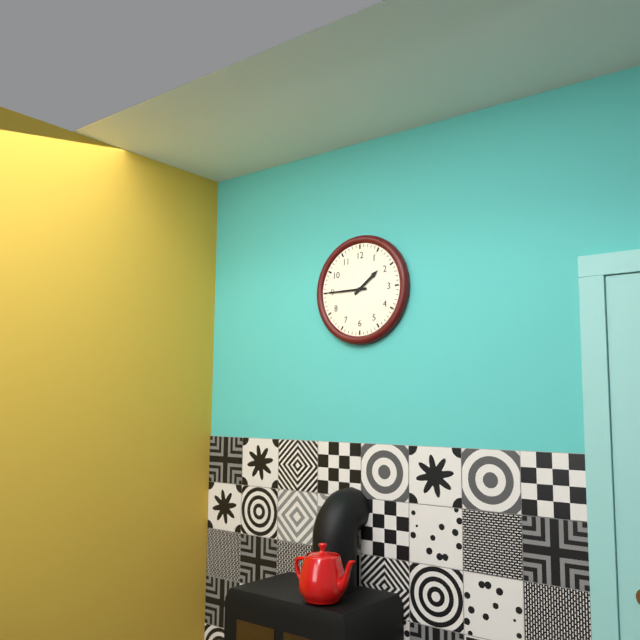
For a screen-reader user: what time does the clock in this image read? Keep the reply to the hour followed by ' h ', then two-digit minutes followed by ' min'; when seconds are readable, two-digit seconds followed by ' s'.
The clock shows 1 h 45 min
